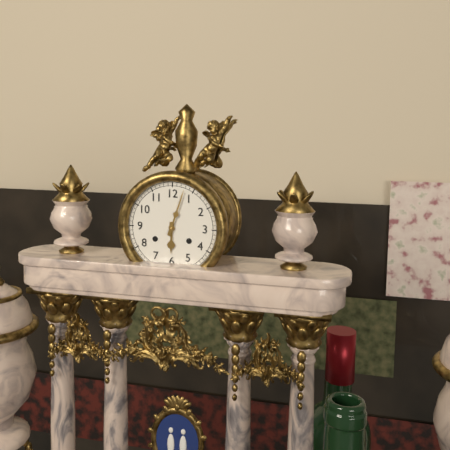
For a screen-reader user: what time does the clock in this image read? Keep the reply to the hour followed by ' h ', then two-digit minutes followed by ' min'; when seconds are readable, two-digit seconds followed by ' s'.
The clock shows 6 h 03 min
